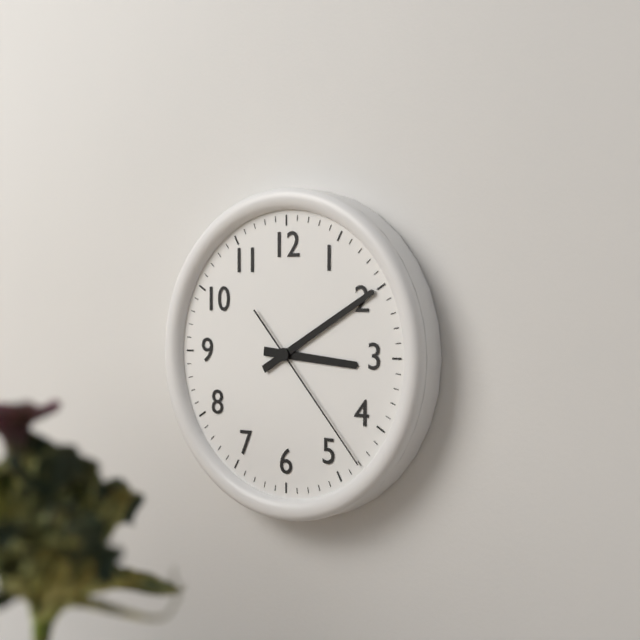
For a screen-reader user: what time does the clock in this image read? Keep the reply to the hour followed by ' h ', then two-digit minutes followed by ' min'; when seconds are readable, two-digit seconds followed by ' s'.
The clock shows 3 h 10 min 23 s
